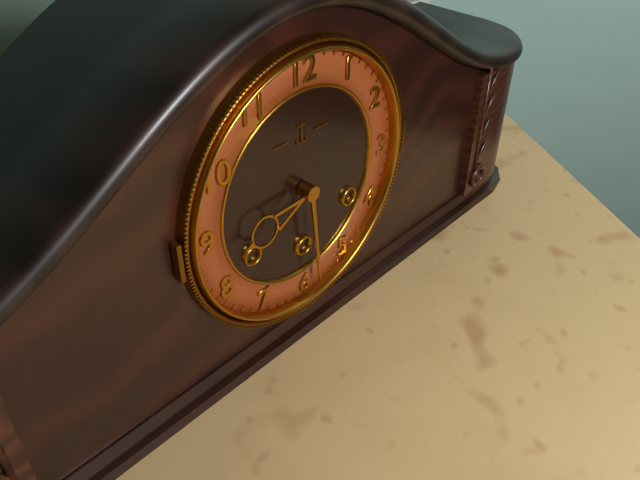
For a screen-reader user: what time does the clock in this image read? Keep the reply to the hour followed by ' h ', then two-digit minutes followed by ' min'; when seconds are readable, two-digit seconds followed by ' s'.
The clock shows 8 h 29 min
